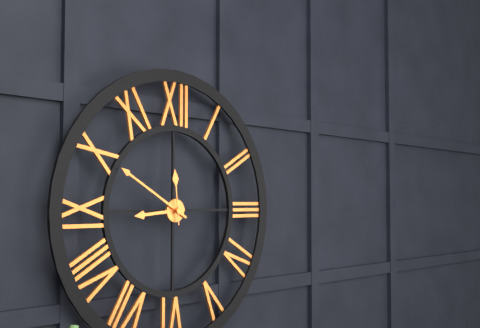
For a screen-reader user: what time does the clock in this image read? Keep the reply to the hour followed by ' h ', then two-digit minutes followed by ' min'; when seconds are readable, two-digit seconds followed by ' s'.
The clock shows 8 h 50 min 59 s
